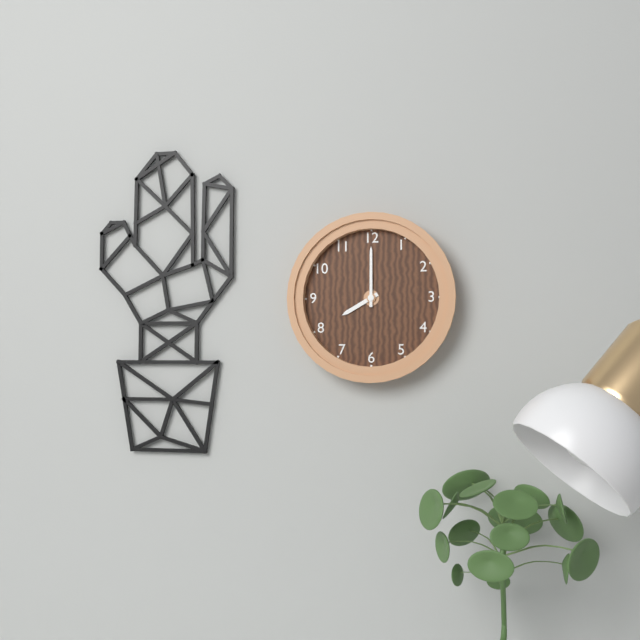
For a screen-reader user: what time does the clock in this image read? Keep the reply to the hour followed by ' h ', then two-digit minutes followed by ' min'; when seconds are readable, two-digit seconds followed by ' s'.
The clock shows 8 h 00 min
